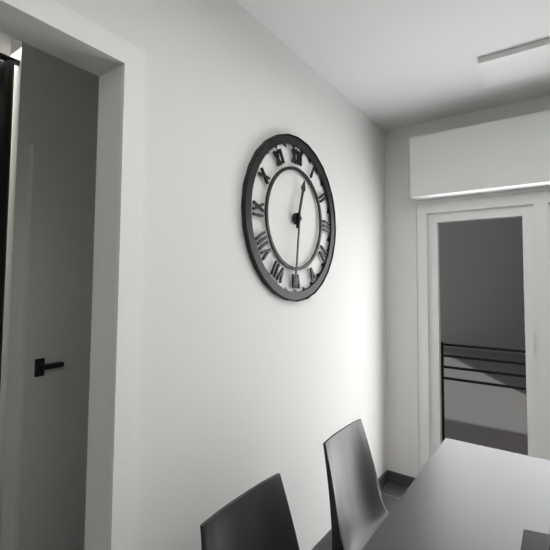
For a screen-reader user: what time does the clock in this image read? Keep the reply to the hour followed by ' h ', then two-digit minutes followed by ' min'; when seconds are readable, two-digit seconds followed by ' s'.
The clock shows 12 h 31 min
